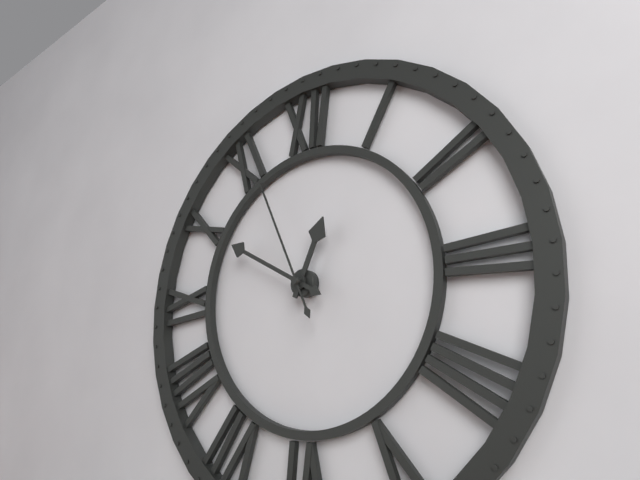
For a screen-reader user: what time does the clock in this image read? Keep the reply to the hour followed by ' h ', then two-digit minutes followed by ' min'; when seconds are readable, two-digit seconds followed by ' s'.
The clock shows 12 h 50 min 56 s
